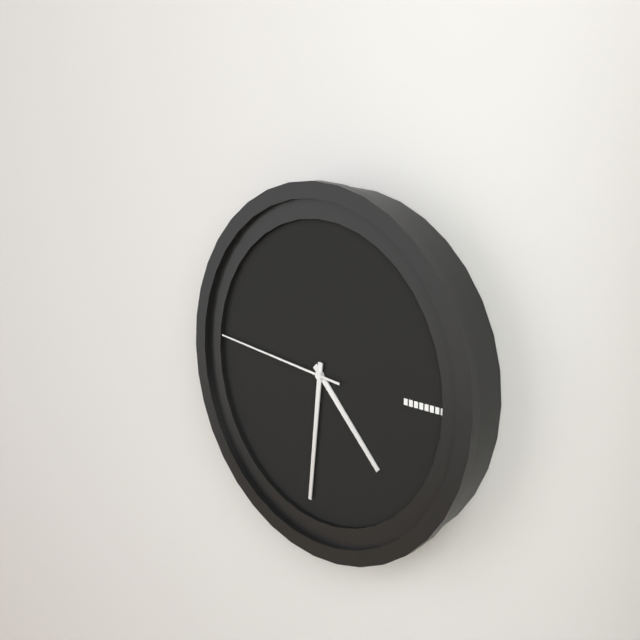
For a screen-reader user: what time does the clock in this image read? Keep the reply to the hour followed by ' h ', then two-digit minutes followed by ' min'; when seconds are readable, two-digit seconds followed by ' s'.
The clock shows 4 h 31 min 46 s
